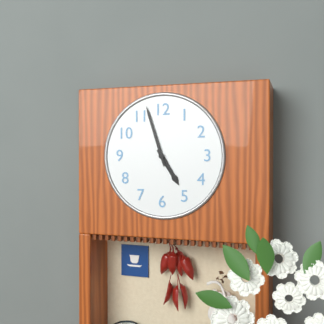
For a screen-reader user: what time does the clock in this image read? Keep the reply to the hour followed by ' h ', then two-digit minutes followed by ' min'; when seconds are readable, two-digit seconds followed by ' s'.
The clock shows 4 h 57 min
